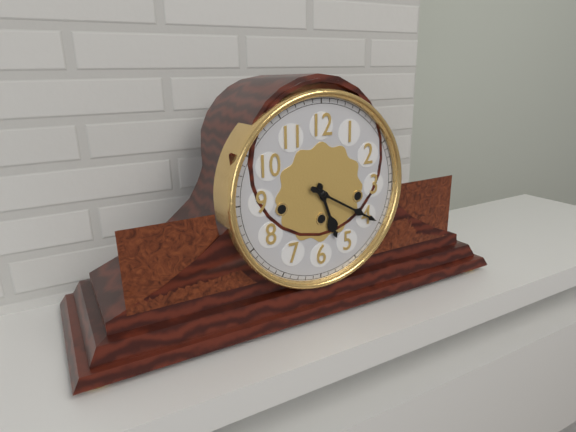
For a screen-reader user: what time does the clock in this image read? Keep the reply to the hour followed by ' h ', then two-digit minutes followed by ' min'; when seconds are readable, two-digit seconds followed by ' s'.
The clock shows 5 h 20 min
